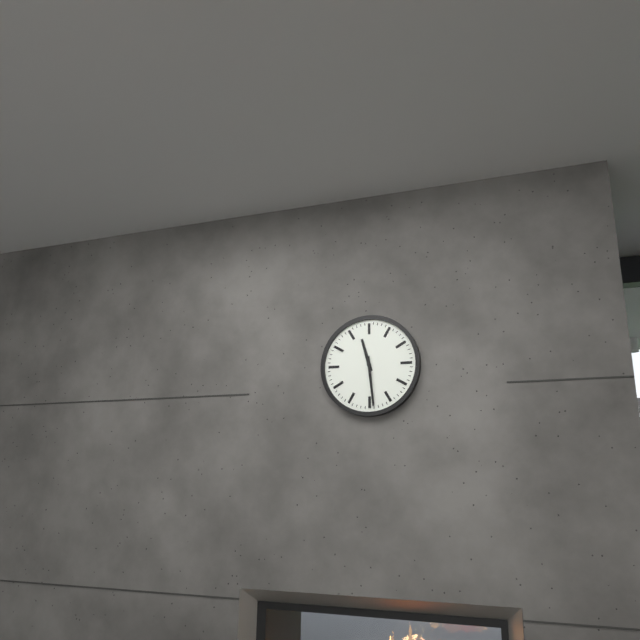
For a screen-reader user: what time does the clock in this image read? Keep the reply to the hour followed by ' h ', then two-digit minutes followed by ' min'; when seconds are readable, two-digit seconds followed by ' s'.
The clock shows 11 h 29 min
